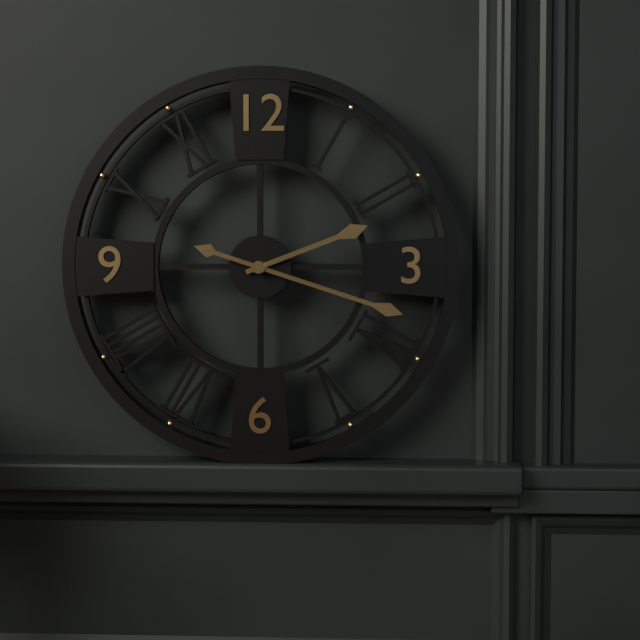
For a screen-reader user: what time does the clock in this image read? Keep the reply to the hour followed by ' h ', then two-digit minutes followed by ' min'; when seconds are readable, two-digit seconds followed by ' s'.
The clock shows 2 h 18 min
